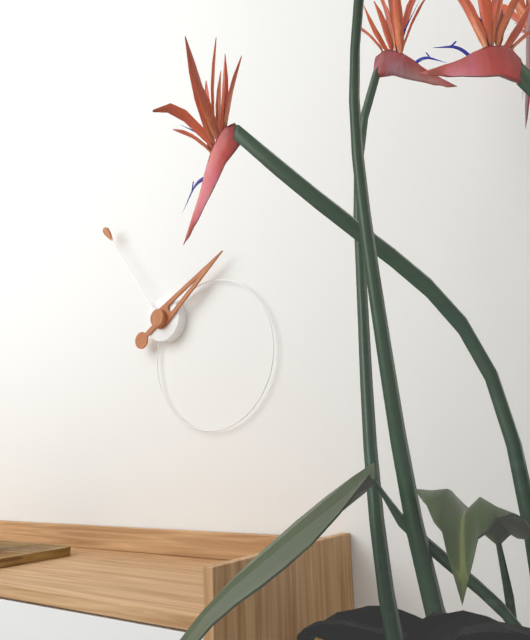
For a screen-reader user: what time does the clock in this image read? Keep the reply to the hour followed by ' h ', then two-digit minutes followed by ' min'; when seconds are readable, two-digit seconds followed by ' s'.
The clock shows 1 h 54 min
